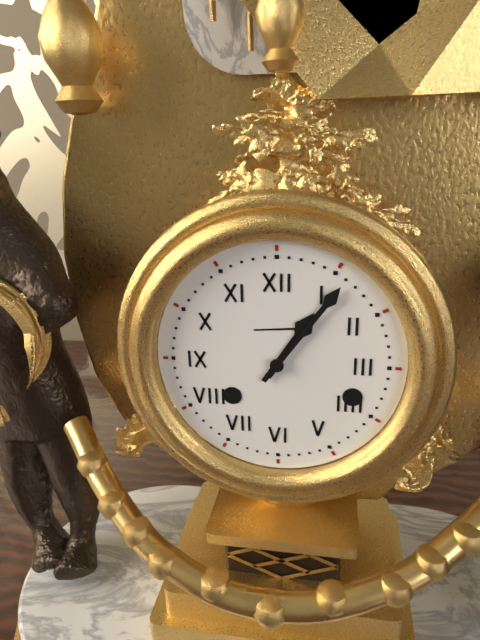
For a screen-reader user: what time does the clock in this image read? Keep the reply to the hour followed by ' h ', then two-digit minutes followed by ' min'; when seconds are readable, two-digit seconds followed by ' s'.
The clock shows 1 h 06 min
